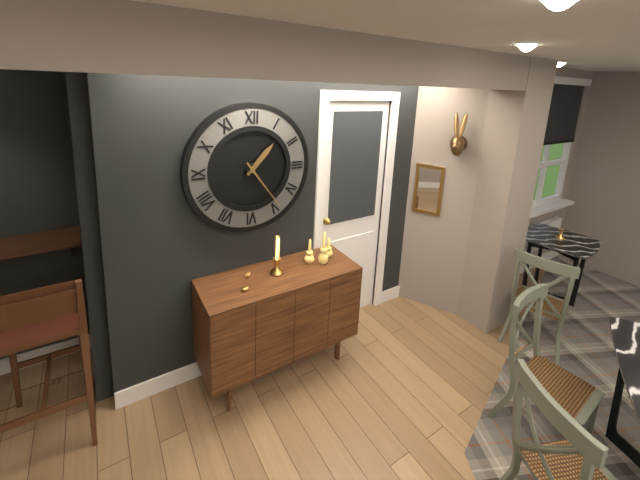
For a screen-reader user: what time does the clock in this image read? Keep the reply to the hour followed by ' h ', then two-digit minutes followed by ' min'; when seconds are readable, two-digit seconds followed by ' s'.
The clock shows 1 h 24 min
